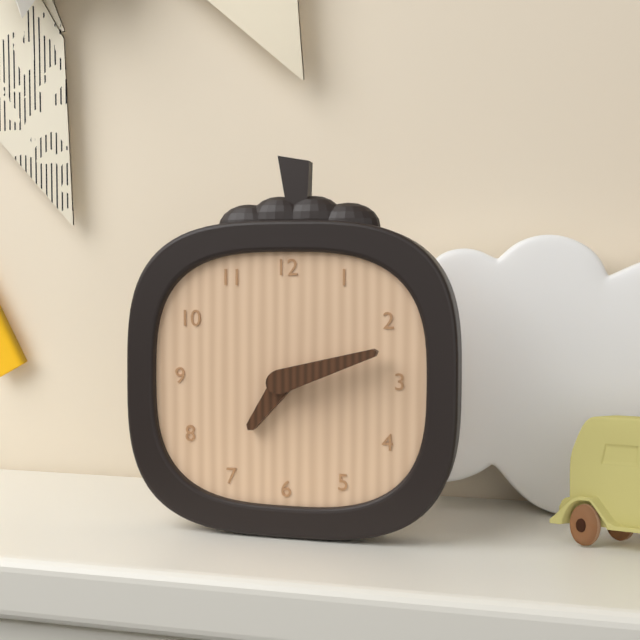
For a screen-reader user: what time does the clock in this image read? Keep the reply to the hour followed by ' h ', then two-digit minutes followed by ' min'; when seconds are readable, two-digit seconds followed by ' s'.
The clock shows 7 h 12 min
